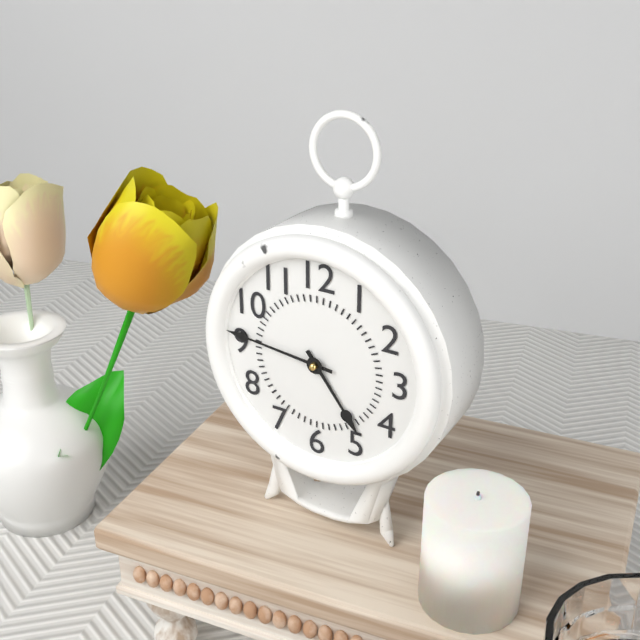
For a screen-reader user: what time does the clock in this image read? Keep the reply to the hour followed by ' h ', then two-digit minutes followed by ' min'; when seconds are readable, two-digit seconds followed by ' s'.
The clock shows 4 h 46 min
